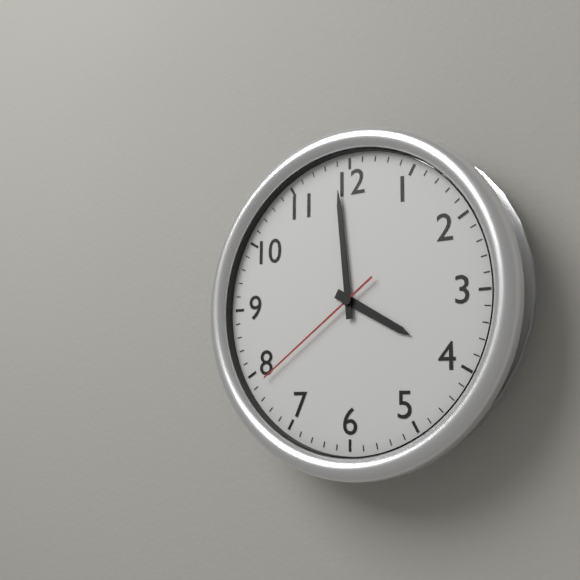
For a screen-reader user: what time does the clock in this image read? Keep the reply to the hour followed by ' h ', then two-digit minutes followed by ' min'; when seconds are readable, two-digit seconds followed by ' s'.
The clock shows 3 h 59 min 39 s
